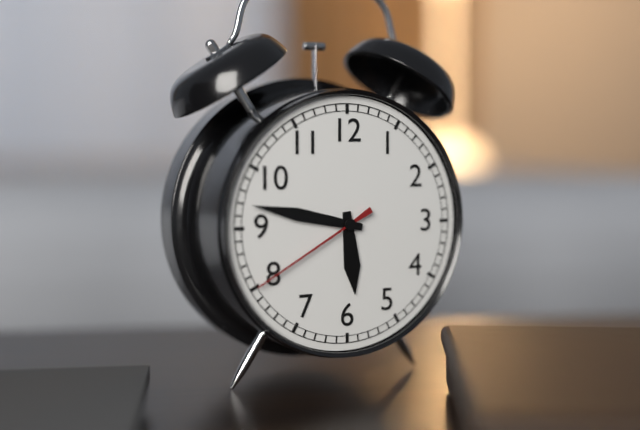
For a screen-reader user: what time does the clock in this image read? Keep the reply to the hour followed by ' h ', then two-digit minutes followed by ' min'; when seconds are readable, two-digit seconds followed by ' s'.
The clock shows 5 h 47 min 40 s
